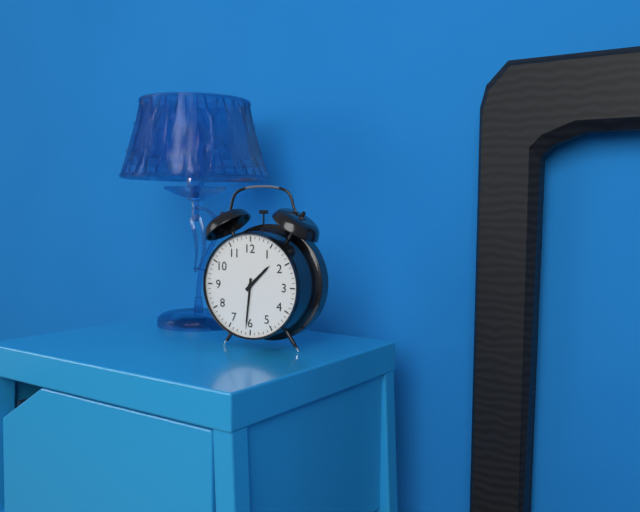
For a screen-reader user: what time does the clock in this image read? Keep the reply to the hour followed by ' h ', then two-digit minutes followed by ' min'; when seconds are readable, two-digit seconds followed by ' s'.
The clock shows 1 h 31 min
